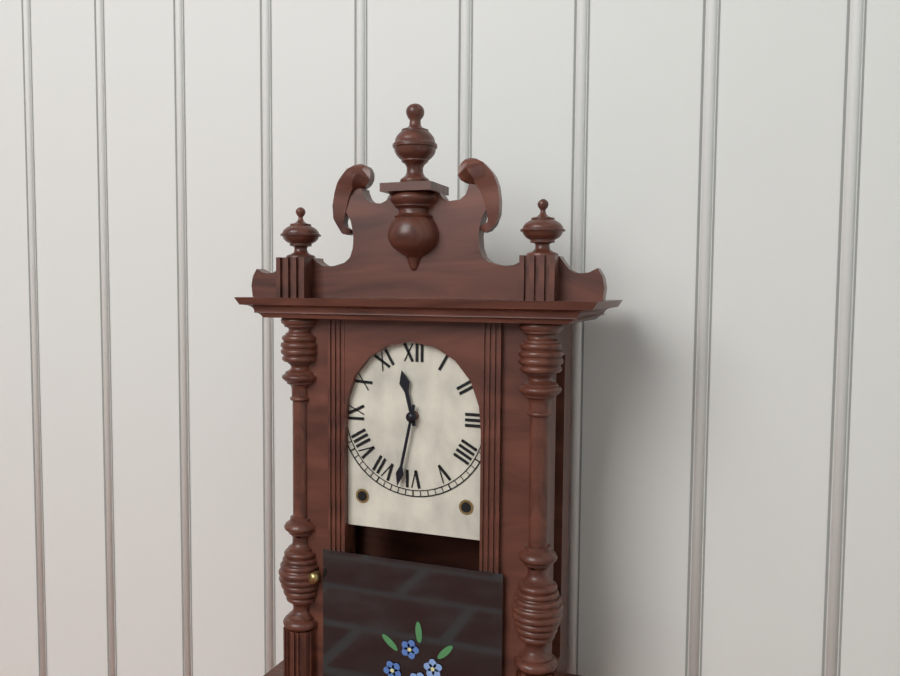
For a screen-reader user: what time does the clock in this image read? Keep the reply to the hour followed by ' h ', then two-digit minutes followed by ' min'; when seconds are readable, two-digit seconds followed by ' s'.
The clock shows 11 h 32 min
